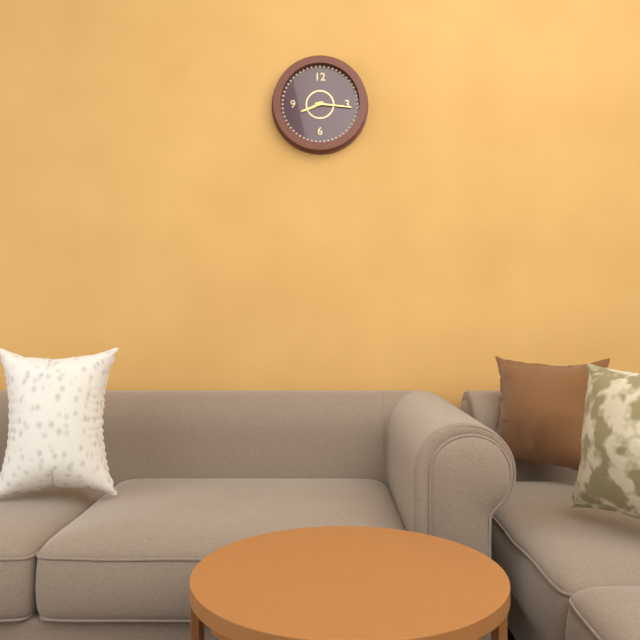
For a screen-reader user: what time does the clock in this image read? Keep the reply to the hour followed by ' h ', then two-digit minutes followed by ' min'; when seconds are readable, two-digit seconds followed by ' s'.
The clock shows 8 h 16 min
